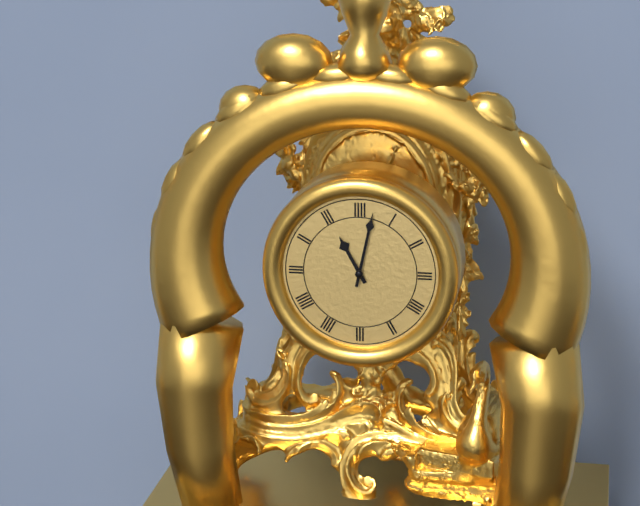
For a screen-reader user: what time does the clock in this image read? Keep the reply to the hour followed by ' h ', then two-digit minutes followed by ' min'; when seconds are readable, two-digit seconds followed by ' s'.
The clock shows 11 h 02 min
